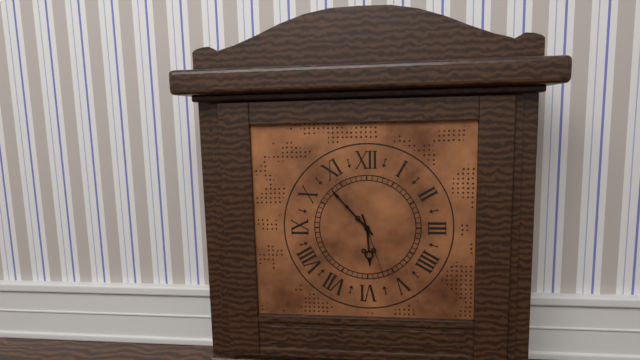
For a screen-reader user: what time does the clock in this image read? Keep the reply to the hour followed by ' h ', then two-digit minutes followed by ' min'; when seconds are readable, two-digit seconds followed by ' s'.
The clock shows 5 h 53 min 27 s
